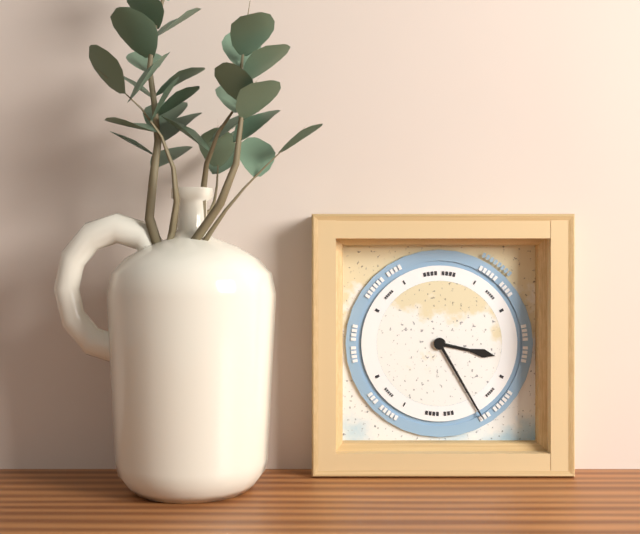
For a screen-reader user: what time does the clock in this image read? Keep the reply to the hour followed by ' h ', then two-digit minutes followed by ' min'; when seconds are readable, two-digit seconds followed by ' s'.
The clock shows 3 h 25 min
